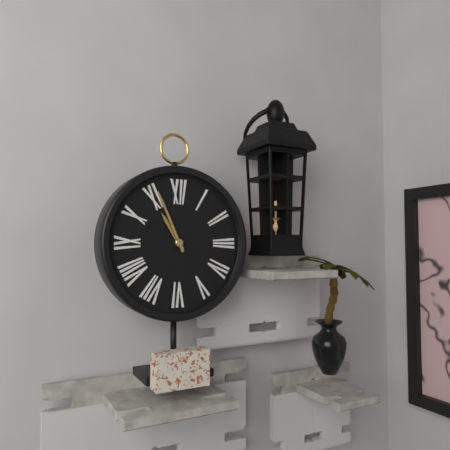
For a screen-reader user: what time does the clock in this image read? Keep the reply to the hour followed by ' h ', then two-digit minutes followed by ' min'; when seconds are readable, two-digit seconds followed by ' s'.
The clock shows 10 h 56 min
